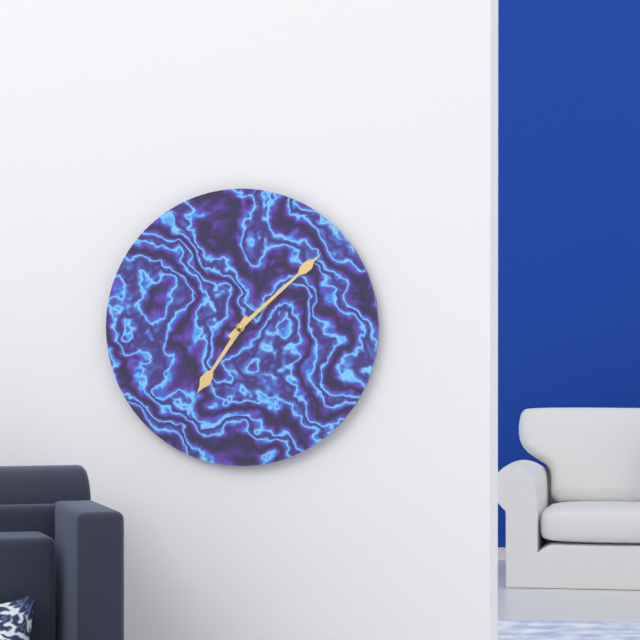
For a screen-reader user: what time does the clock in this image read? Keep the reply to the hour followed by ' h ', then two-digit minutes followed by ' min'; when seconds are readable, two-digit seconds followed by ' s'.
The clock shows 7 h 08 min
